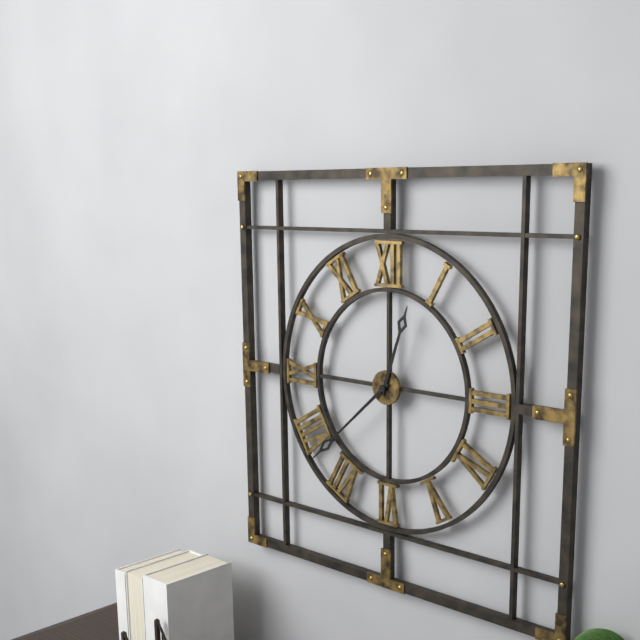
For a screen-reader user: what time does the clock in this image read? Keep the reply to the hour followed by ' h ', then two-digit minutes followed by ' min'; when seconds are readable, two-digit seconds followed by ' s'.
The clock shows 12 h 38 min
